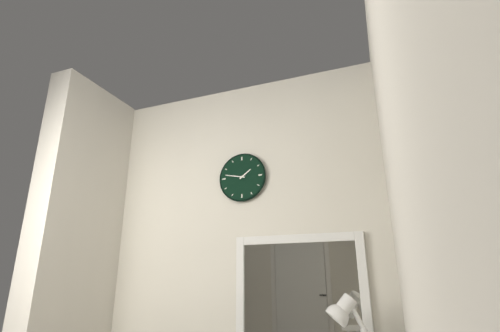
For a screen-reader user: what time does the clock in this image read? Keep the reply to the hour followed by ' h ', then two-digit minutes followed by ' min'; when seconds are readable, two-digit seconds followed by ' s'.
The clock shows 1 h 47 min
